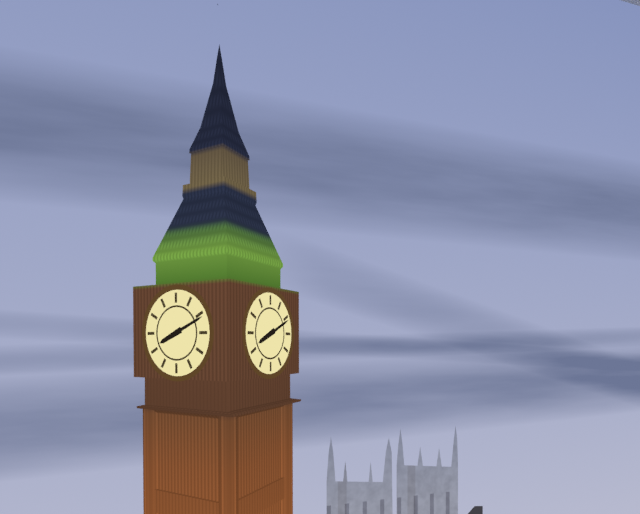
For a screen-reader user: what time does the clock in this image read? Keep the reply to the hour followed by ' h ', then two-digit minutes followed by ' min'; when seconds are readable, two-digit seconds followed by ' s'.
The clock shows 8 h 11 min
